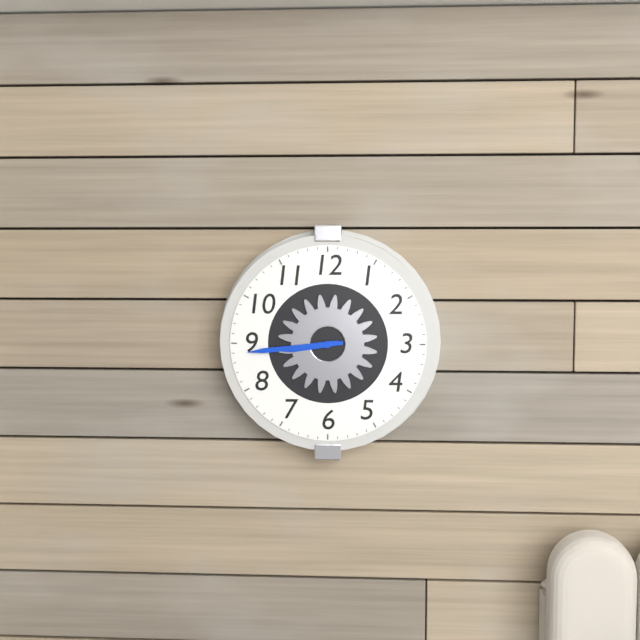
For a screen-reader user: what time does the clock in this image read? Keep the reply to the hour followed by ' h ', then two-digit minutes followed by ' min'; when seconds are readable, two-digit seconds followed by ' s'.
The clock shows 8 h 44 min
